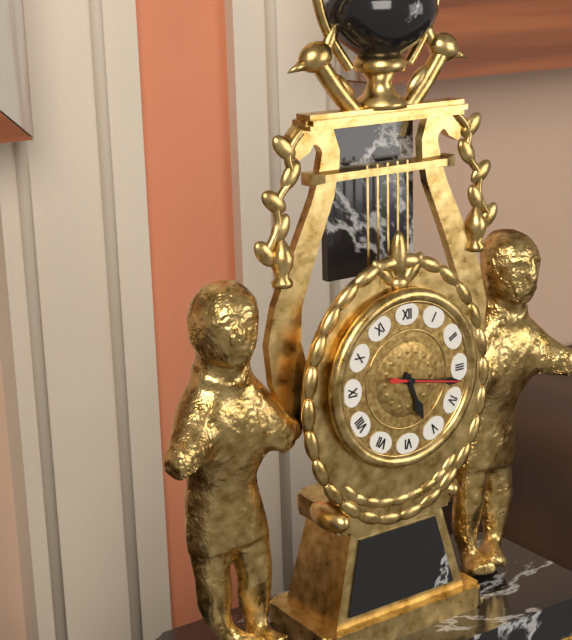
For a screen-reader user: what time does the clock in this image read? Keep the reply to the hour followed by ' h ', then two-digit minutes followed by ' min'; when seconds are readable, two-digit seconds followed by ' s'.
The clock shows 5 h 17 min 17 s
